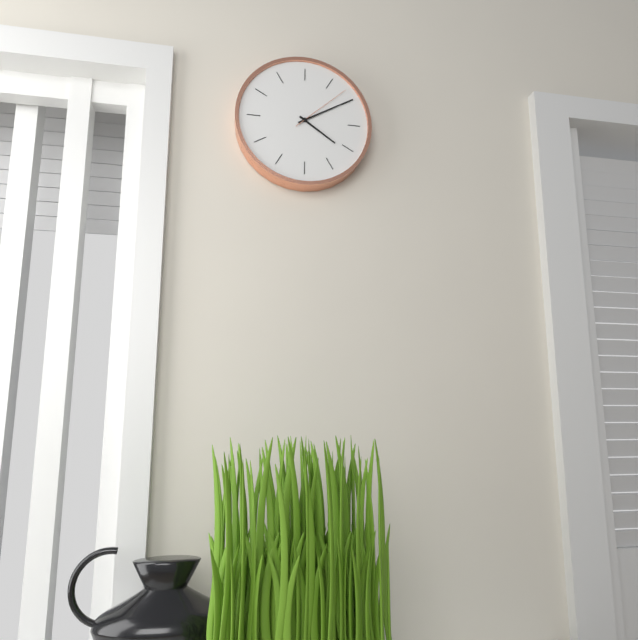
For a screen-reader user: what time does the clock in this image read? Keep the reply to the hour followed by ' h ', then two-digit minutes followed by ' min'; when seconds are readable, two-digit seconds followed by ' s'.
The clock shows 4 h 10 min 08 s
